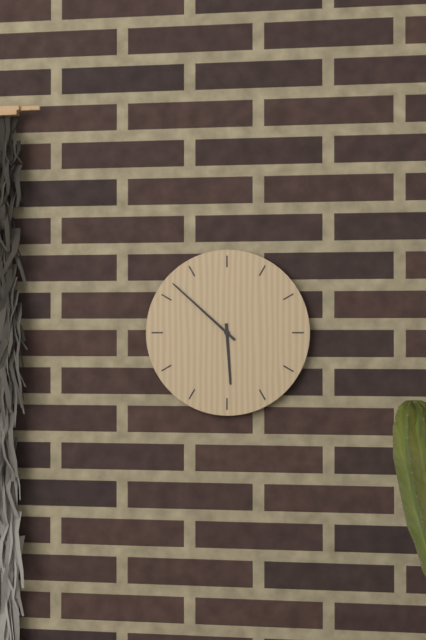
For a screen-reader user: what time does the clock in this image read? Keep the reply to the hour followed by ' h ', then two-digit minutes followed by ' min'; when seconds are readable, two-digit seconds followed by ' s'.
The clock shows 5 h 52 min
